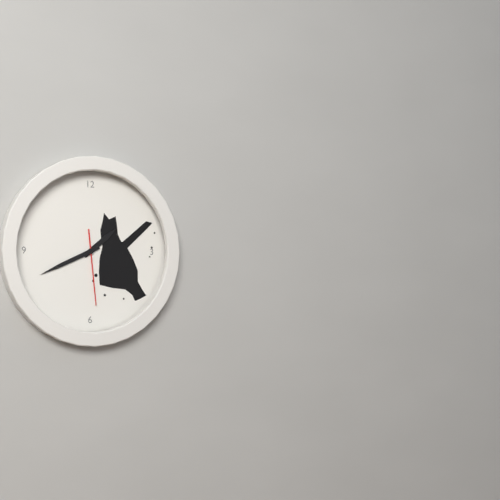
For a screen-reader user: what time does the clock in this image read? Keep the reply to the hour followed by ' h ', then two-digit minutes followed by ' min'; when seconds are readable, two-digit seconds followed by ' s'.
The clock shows 1 h 41 min 29 s
